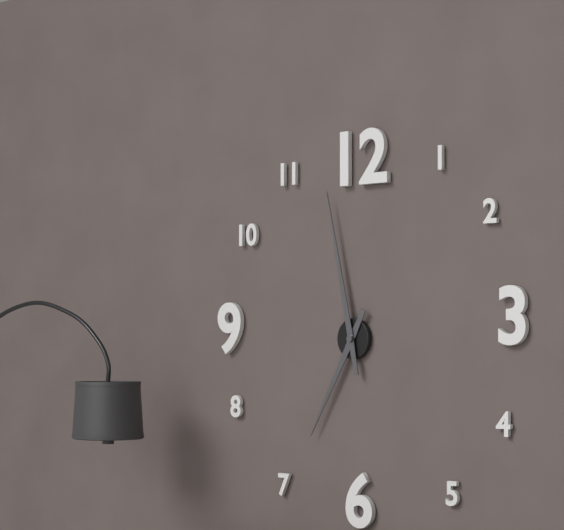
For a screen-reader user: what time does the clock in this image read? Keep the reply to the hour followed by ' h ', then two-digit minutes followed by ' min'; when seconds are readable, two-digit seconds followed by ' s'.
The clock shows 6 h 58 min
